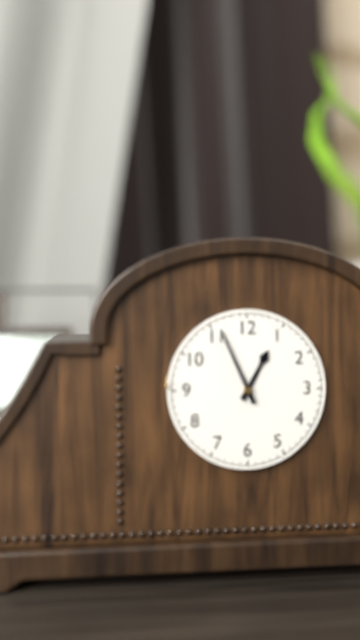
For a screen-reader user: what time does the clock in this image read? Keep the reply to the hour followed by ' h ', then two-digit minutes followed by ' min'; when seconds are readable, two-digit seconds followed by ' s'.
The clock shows 12 h 56 min
